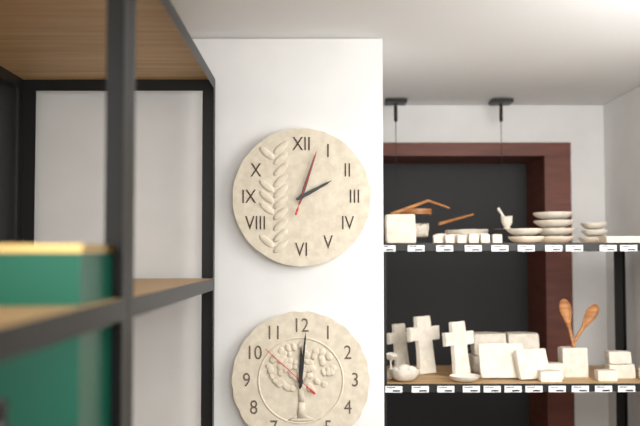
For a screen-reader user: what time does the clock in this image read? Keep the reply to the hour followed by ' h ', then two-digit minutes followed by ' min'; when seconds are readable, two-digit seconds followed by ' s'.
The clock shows 2 h 03 min 03 s
